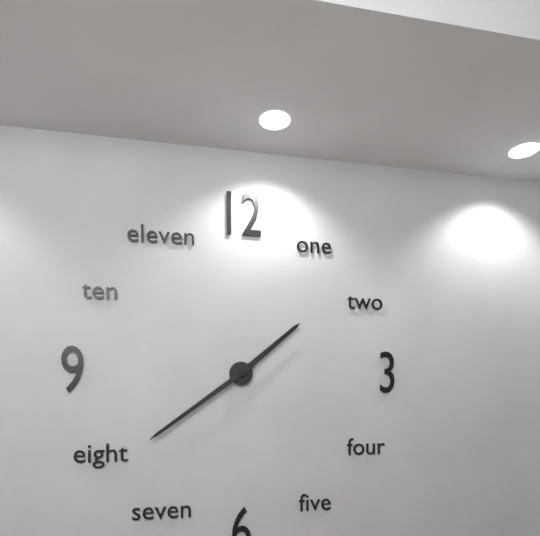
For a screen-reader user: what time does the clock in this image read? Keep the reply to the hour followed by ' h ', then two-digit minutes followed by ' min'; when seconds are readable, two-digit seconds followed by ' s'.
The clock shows 1 h 39 min
